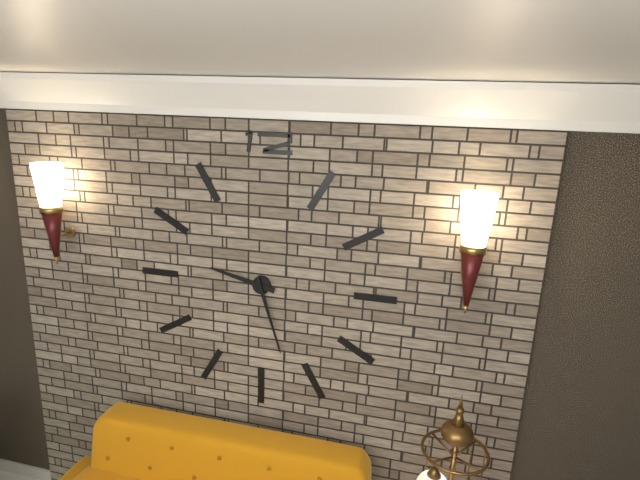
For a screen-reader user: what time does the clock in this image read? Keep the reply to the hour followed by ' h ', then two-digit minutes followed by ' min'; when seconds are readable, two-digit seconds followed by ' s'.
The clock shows 9 h 27 min
